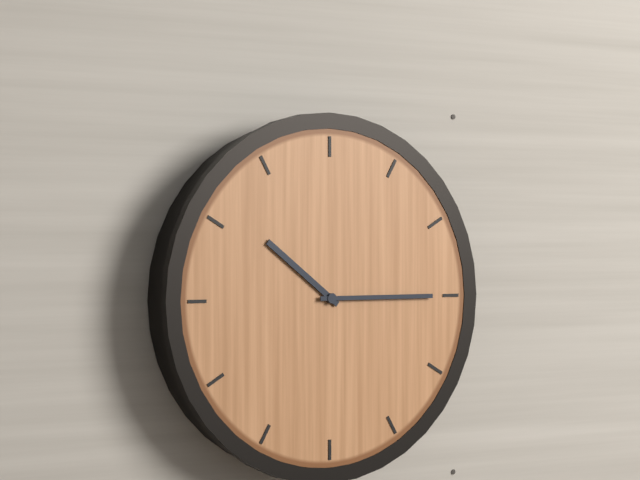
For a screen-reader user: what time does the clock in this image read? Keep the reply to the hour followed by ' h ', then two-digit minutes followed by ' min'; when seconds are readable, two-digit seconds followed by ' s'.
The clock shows 10 h 15 min
